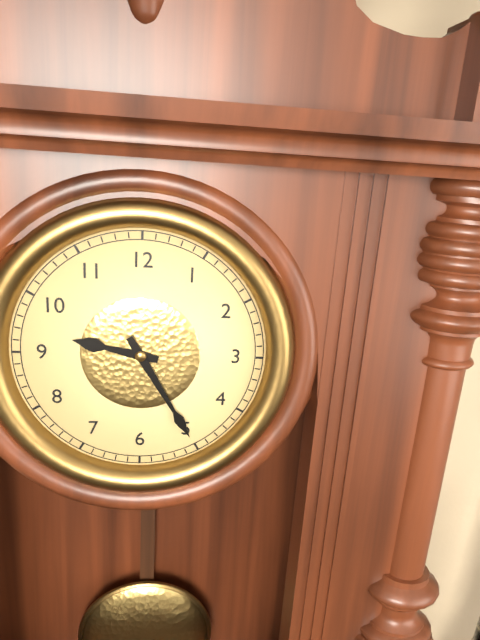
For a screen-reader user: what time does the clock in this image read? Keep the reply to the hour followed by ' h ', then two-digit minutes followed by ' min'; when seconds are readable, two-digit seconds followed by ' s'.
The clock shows 9 h 25 min
